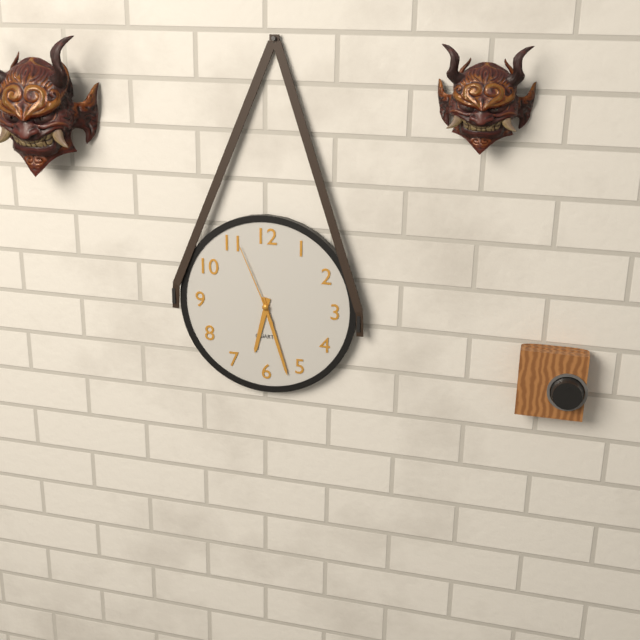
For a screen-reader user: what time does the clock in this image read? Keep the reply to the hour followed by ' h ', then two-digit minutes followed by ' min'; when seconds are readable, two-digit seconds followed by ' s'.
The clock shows 6 h 27 min 56 s
